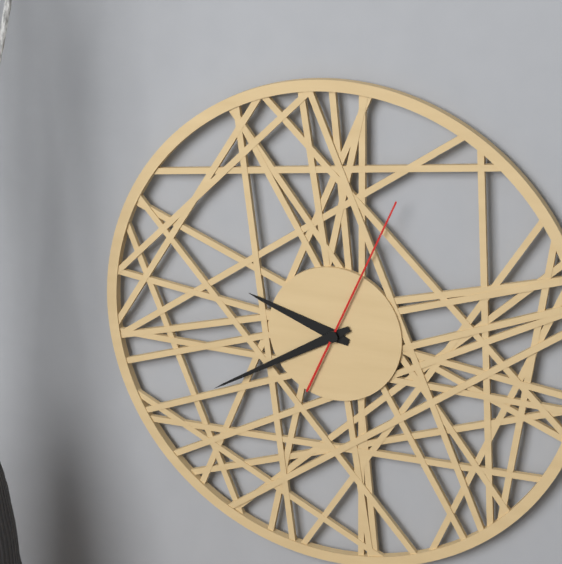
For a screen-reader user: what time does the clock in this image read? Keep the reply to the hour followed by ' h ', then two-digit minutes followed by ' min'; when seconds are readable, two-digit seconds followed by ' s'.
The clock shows 9 h 40 min 04 s
